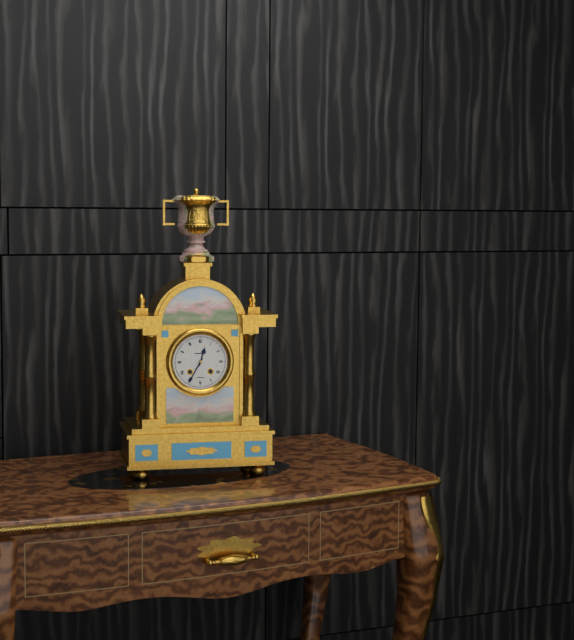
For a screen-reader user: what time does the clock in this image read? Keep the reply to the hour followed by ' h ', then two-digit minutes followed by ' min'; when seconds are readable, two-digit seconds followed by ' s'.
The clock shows 12 h 35 min
